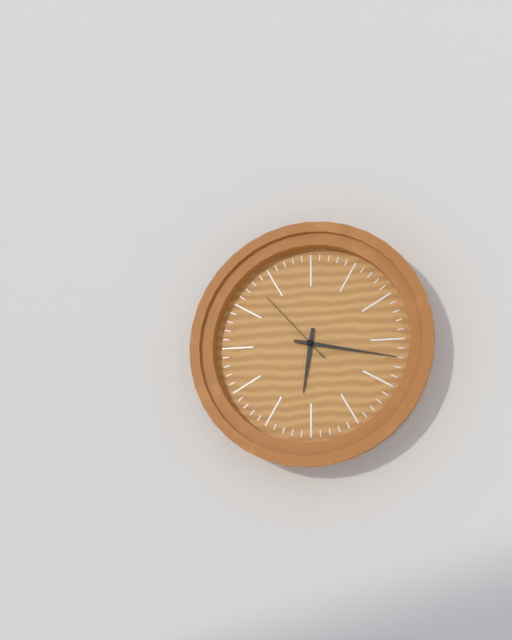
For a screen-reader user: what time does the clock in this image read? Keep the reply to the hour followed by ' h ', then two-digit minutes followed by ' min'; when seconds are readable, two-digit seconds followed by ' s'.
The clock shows 6 h 17 min 53 s
